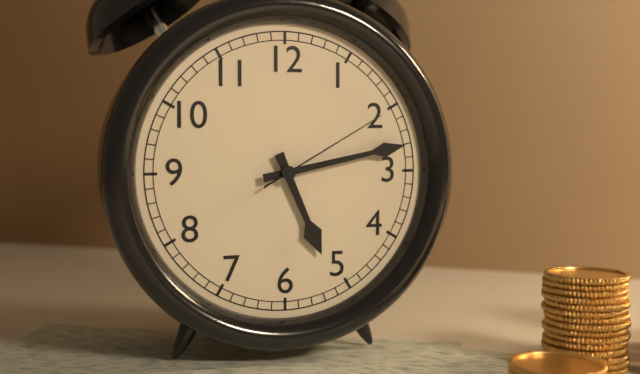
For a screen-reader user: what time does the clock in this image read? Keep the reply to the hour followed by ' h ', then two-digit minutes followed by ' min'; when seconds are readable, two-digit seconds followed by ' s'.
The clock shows 5 h 13 min 10 s
